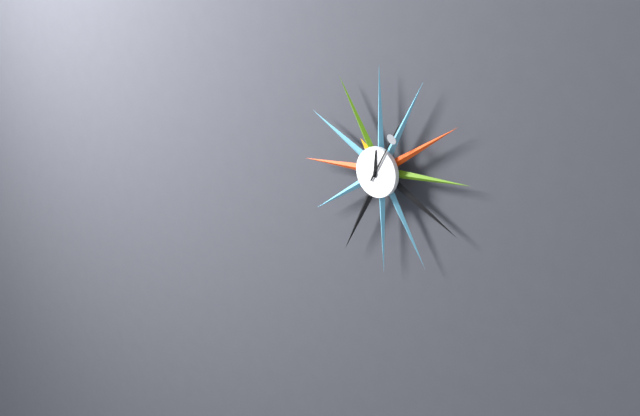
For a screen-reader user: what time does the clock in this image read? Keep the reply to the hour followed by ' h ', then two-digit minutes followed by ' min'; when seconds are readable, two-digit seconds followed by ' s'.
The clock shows 12 h 05 min
